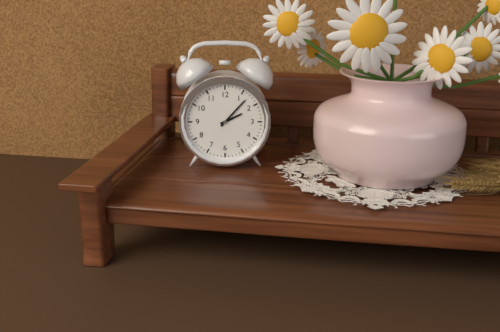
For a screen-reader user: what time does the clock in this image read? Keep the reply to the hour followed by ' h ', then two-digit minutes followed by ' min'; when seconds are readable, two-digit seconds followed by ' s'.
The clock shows 2 h 07 min
